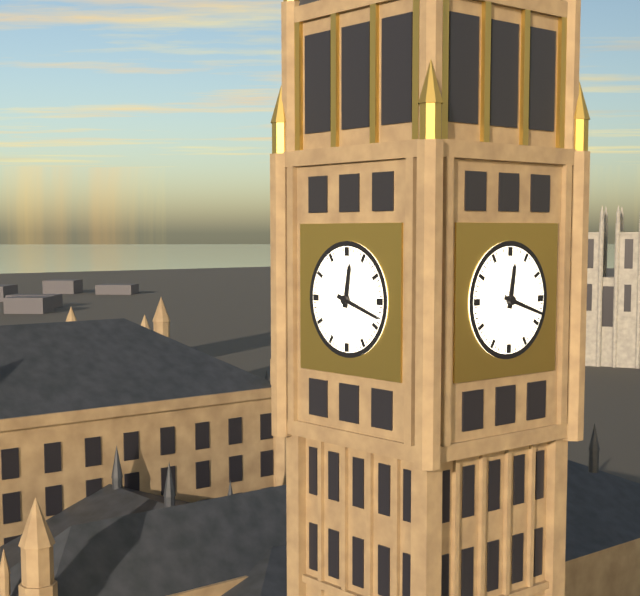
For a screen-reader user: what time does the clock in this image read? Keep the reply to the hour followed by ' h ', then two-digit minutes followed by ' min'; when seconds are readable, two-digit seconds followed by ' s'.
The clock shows 12 h 18 min
